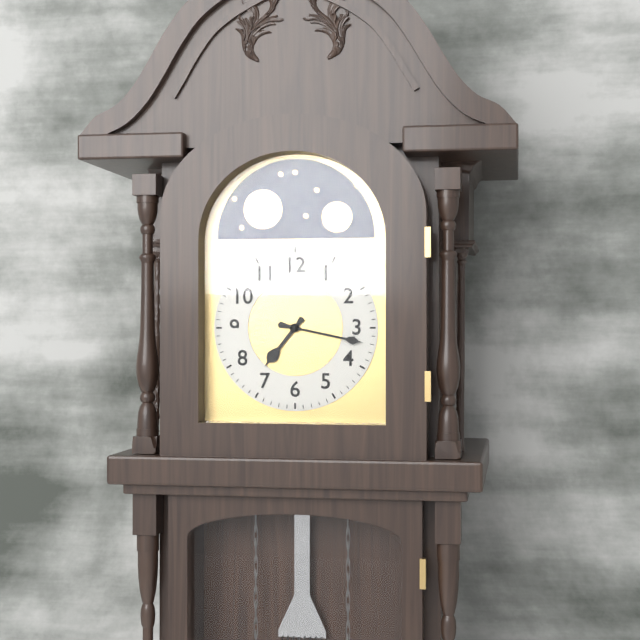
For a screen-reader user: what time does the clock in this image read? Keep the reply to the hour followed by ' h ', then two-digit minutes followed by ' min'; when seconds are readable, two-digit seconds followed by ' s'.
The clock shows 7 h 17 min
